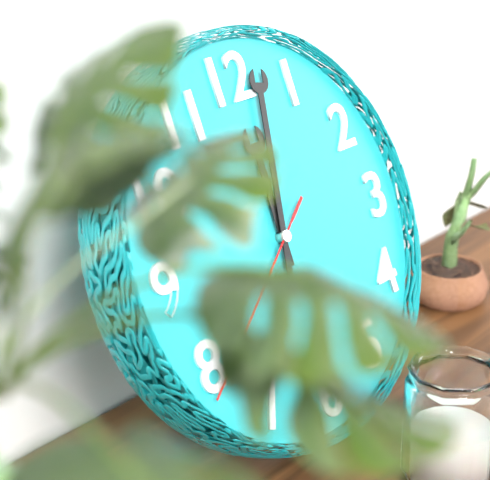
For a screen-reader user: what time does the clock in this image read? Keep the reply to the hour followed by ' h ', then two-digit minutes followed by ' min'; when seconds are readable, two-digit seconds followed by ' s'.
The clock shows 12 h 02 min 39 s
